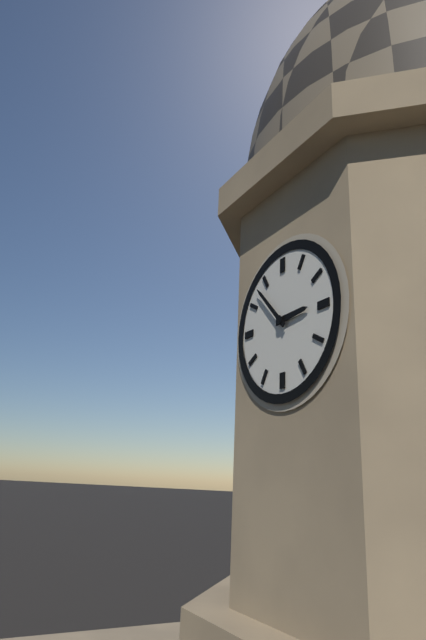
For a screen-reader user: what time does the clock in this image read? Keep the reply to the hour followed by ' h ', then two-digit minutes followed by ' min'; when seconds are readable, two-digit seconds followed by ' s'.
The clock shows 2 h 53 min
